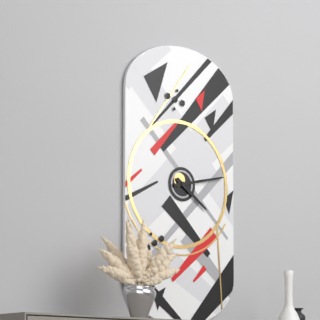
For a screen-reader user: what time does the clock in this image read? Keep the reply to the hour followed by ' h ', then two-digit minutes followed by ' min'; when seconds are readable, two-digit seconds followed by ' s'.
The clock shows 4 h 13 min
